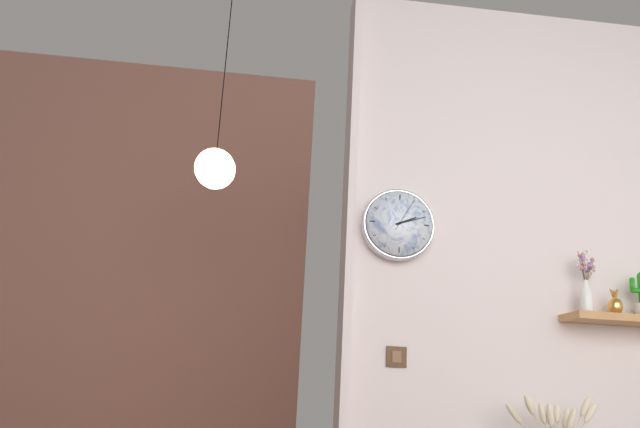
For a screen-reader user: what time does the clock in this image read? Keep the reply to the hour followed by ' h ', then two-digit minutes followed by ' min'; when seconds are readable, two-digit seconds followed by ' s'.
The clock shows 2 h 12 min
